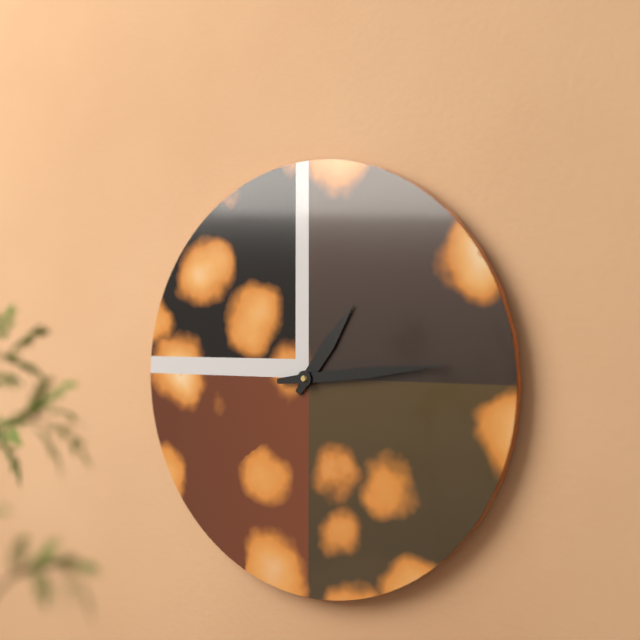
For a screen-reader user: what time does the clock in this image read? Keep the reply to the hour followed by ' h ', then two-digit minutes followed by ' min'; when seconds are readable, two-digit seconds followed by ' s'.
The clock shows 1 h 14 min
